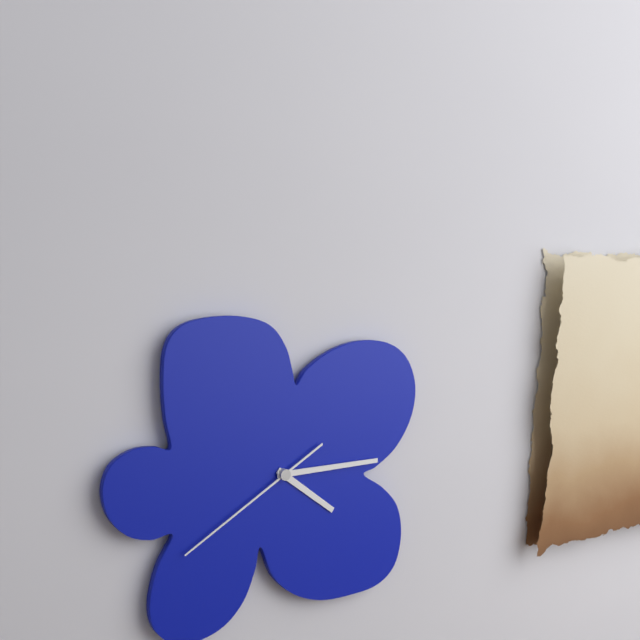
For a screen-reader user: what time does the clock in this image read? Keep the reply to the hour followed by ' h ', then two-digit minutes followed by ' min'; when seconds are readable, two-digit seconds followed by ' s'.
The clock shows 4 h 15 min 40 s
